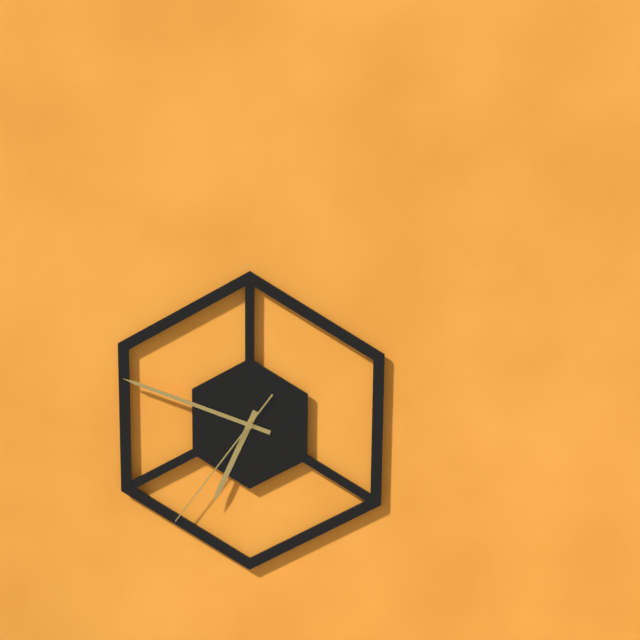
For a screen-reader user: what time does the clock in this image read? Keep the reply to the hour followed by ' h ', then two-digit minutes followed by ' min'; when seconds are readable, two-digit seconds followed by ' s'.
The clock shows 6 h 48 min 36 s
